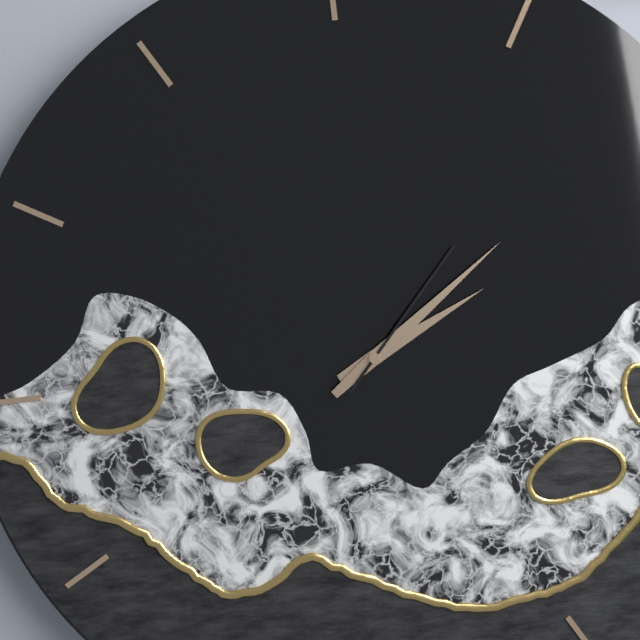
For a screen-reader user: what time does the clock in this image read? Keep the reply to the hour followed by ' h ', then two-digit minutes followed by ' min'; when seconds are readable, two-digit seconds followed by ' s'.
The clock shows 2 h 09 min 07 s
